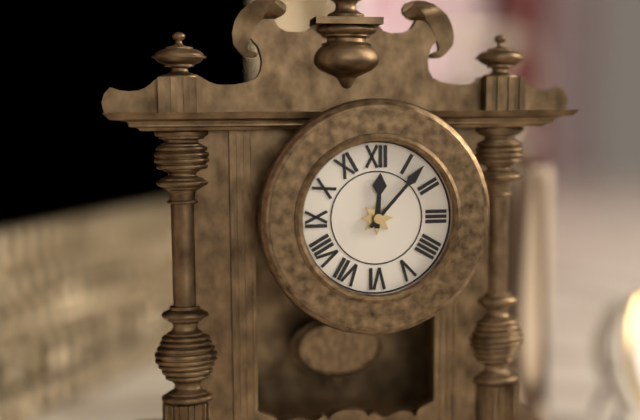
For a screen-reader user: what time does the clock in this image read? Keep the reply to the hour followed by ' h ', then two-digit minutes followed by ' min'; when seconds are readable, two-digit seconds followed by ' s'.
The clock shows 12 h 07 min
